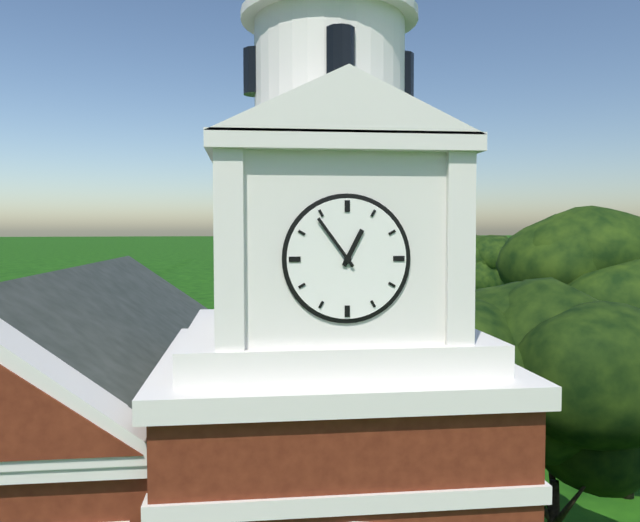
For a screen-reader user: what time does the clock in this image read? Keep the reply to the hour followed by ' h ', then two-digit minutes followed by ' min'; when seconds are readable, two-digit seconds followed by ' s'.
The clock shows 12 h 54 min
